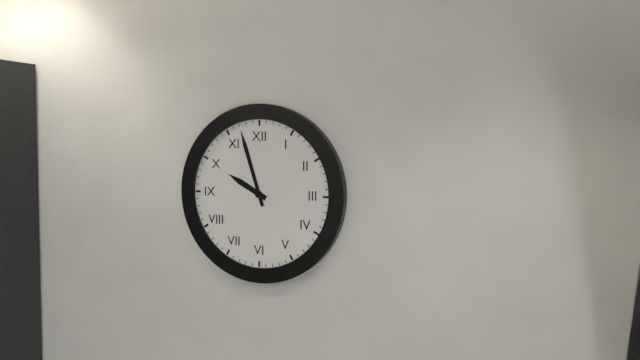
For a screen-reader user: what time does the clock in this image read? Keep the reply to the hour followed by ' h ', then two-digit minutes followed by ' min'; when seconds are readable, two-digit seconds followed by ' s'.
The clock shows 9 h 57 min
